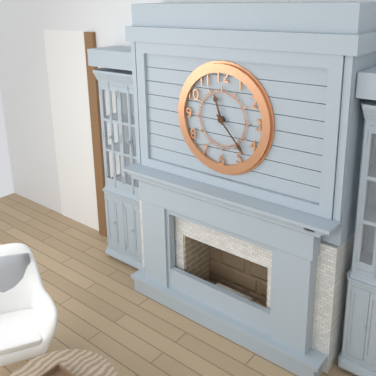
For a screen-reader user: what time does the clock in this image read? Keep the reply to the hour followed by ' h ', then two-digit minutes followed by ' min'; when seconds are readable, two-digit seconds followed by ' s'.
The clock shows 11 h 23 min
